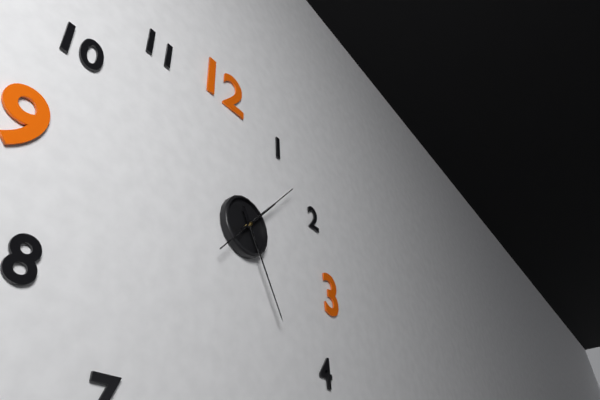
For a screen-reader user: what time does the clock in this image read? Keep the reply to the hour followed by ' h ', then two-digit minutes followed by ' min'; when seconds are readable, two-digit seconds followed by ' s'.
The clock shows 1 h 25 min 07 s
